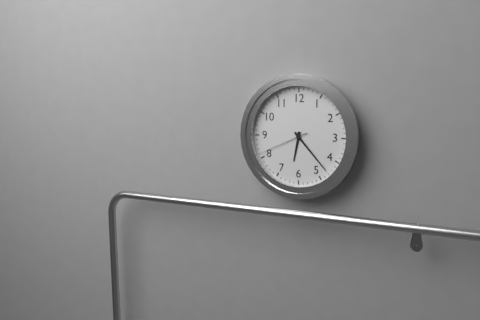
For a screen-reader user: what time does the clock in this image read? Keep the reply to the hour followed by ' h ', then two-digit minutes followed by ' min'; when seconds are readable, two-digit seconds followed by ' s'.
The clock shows 6 h 23 min 41 s
